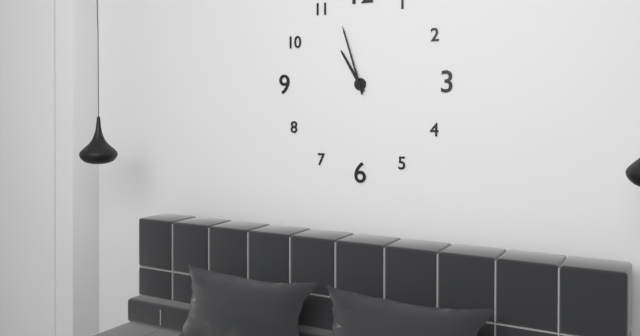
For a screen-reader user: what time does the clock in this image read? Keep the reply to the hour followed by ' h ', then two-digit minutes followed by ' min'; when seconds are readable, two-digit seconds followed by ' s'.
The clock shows 10 h 57 min
